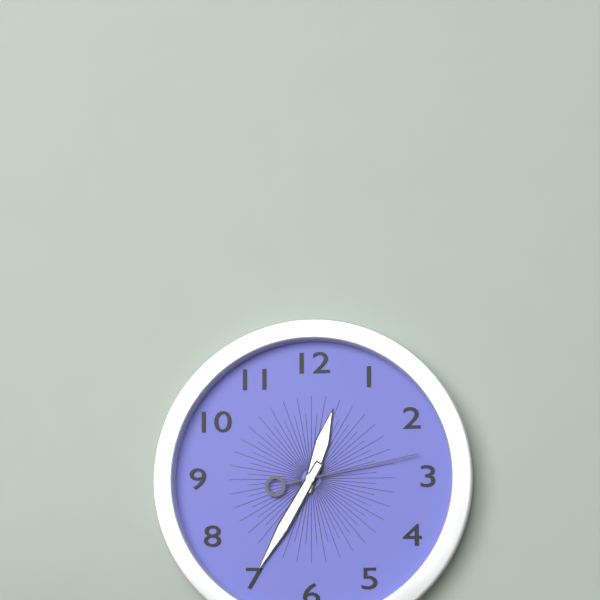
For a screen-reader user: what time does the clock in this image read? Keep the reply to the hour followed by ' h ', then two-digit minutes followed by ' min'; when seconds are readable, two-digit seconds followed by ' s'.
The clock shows 12 h 35 min 13 s
